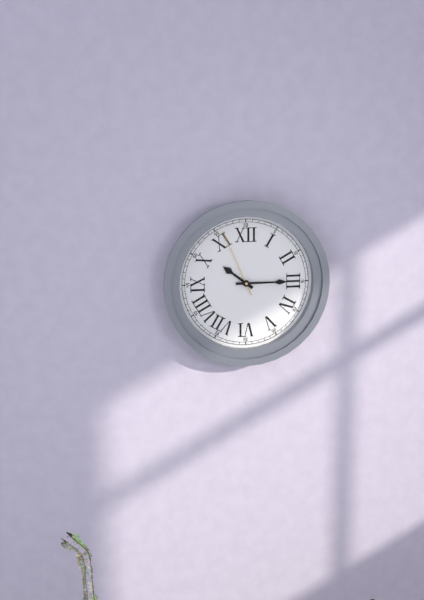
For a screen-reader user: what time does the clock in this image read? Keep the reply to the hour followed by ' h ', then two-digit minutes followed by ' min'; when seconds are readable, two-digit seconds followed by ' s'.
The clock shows 10 h 15 min 56 s
